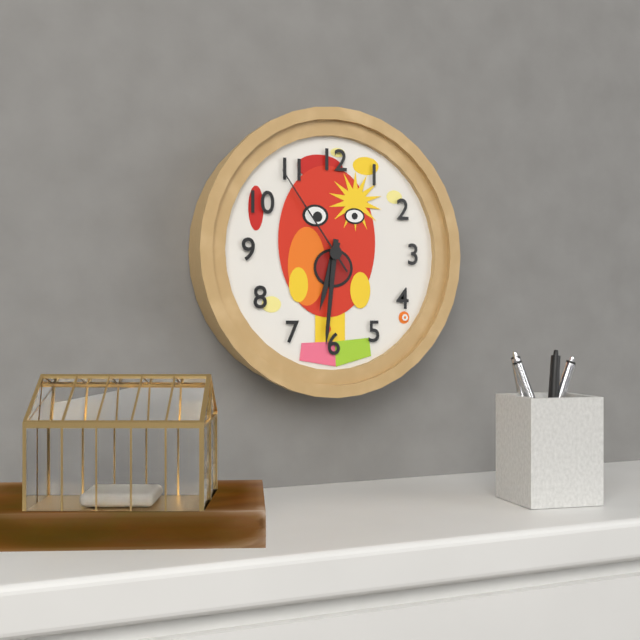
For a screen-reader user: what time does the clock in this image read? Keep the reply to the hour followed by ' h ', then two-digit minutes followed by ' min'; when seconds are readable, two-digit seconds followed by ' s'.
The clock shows 6 h 31 min 54 s
